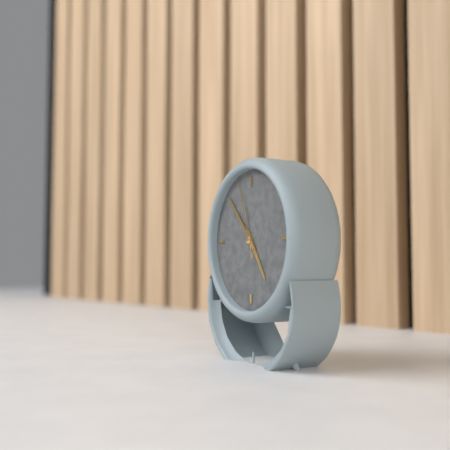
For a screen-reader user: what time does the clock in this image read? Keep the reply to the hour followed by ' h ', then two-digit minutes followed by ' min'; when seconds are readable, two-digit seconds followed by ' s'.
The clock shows 4 h 53 min 57 s
